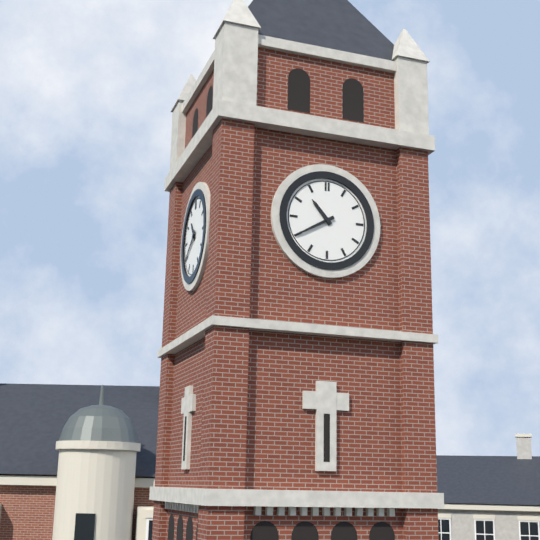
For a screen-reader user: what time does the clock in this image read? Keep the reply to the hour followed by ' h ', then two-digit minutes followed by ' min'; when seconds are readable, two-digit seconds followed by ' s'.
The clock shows 10 h 40 min
